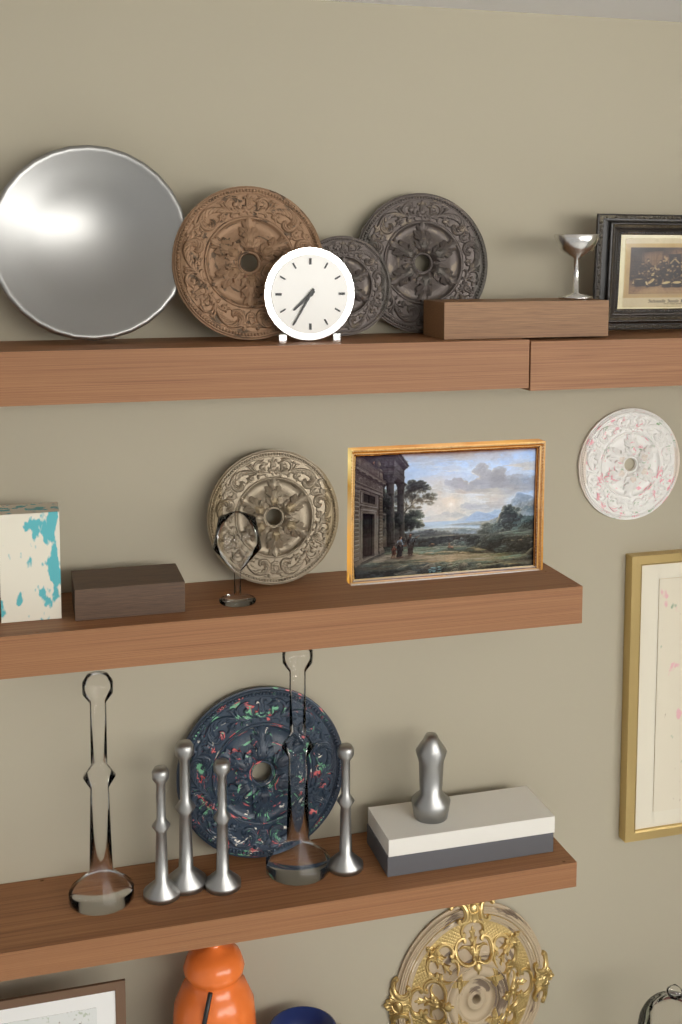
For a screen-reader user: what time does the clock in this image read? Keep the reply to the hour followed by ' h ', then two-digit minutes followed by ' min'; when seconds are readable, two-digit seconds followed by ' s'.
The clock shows 7 h 35 min
